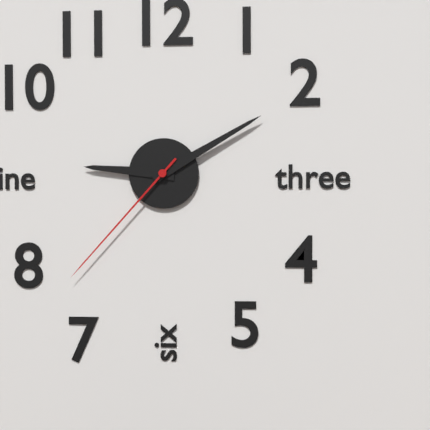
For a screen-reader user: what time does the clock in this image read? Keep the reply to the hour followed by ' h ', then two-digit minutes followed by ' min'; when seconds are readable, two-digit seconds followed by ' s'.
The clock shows 9 h 10 min 37 s
